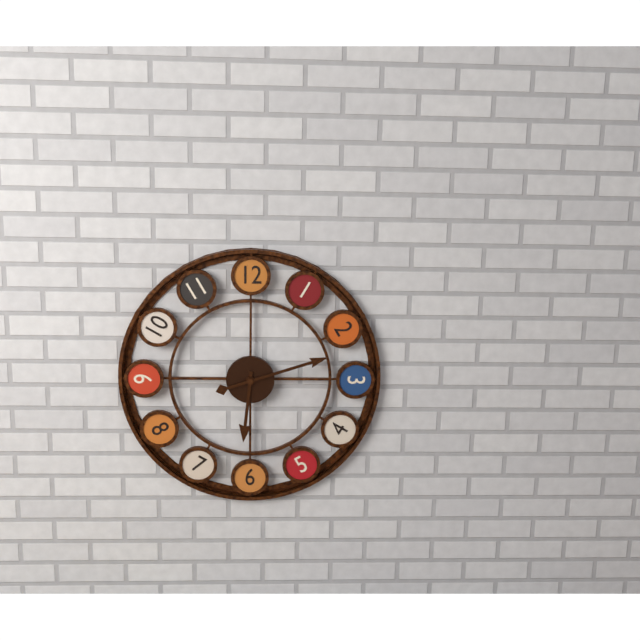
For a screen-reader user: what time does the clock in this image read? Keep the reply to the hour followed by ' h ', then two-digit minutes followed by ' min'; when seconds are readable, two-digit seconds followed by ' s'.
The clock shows 6 h 12 min
